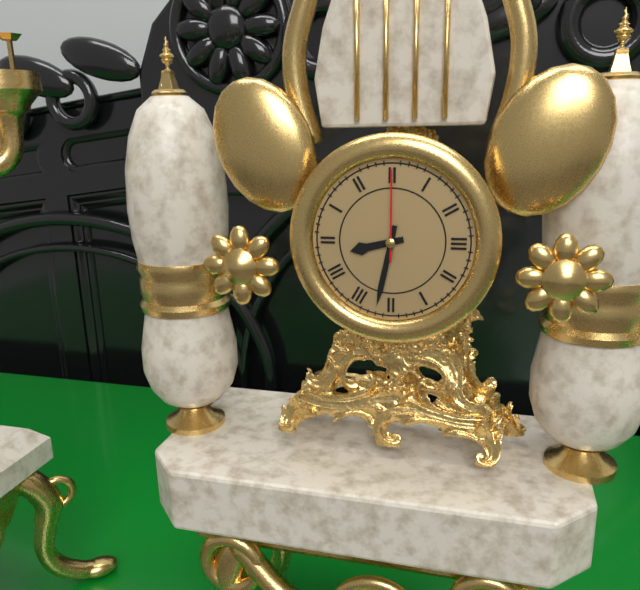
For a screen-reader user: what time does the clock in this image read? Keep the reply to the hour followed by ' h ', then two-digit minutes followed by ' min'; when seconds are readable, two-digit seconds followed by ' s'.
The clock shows 8 h 32 min 00 s
